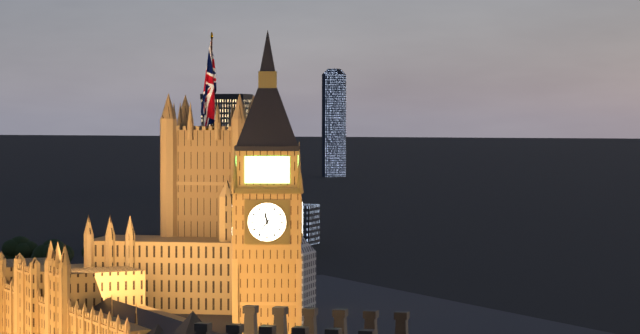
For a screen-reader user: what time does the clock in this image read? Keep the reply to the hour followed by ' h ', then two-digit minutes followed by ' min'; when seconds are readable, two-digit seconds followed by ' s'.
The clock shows 11 h 36 min
